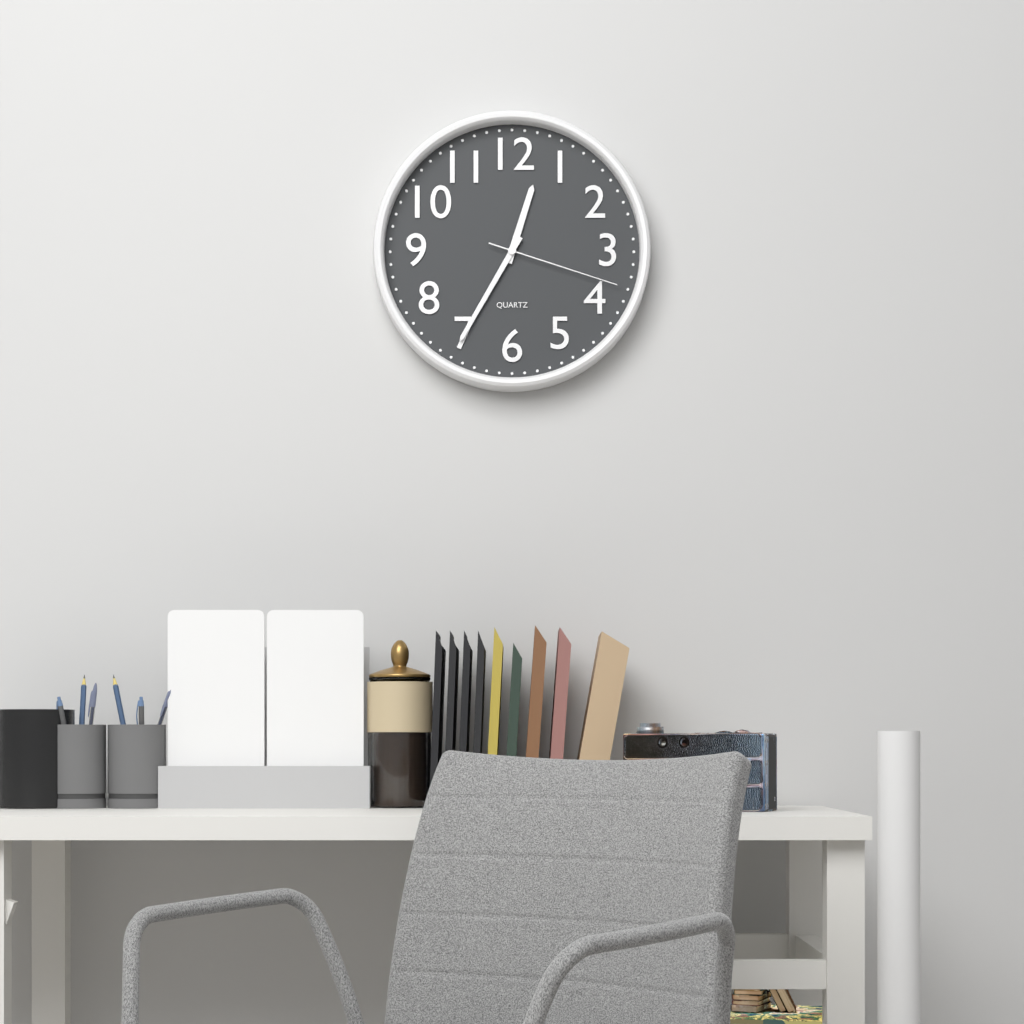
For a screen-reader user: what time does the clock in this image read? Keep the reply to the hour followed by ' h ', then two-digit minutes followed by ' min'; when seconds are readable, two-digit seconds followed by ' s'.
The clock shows 12 h 35 min 18 s
